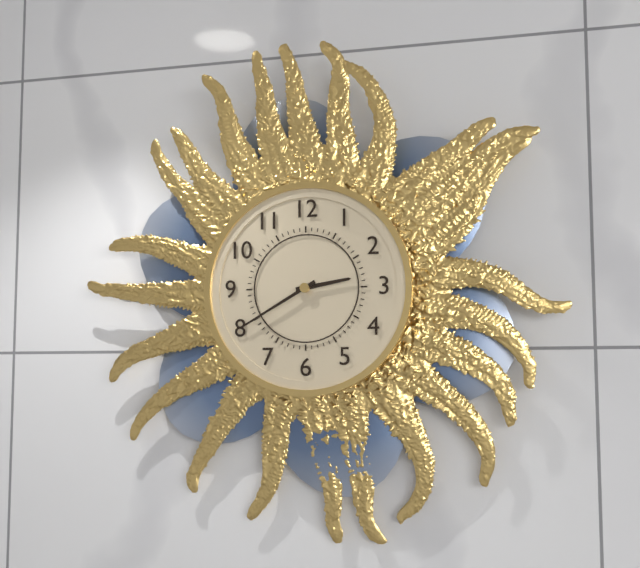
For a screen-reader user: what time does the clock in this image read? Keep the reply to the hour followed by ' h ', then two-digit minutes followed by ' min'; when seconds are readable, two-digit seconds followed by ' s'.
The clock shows 2 h 40 min
